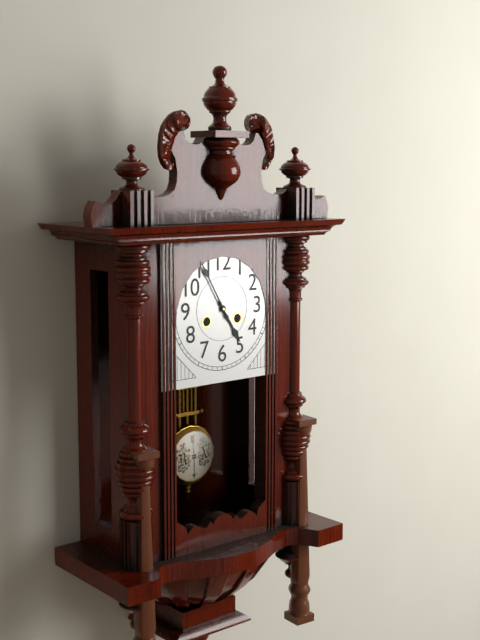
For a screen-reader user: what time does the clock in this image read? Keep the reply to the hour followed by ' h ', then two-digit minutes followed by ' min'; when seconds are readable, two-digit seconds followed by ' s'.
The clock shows 4 h 55 min
